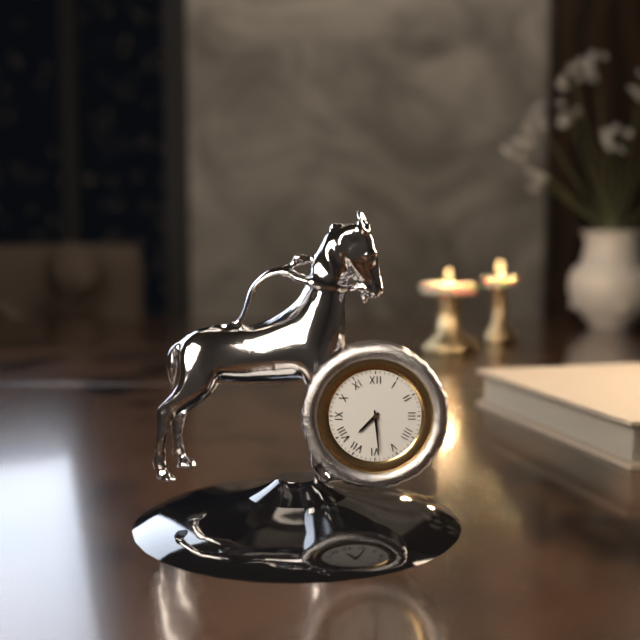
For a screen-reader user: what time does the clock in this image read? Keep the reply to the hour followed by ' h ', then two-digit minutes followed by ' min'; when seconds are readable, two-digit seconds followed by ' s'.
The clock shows 7 h 29 min
